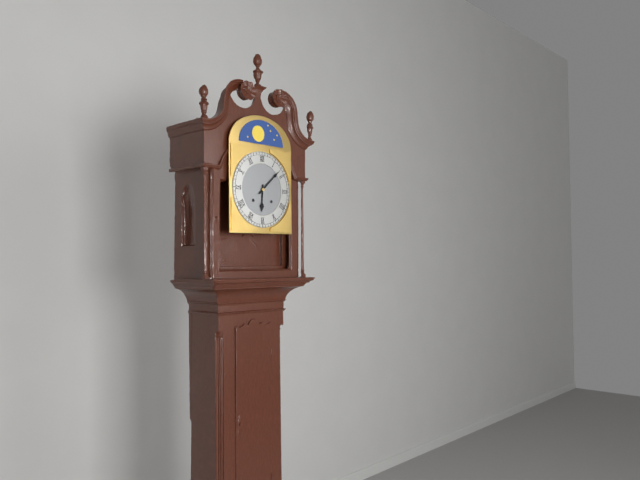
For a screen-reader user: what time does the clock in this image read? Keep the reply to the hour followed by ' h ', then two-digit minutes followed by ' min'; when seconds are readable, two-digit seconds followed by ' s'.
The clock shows 6 h 08 min
